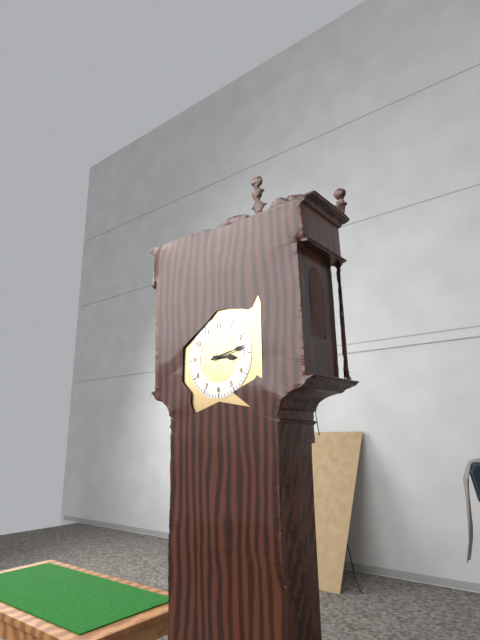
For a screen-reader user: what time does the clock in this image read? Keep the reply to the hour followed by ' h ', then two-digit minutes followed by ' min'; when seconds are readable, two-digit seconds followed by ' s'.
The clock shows 3 h 13 min
